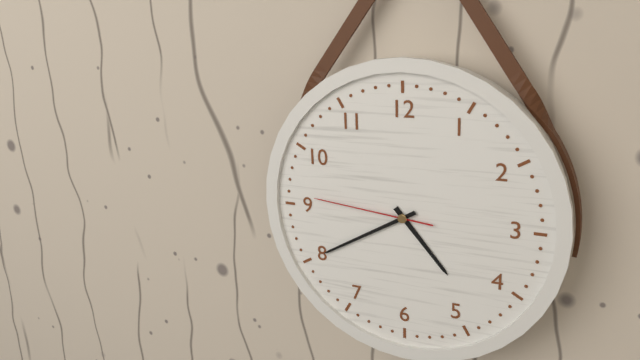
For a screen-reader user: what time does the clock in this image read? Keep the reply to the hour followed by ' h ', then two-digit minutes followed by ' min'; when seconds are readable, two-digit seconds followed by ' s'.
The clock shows 4 h 40 min 46 s
